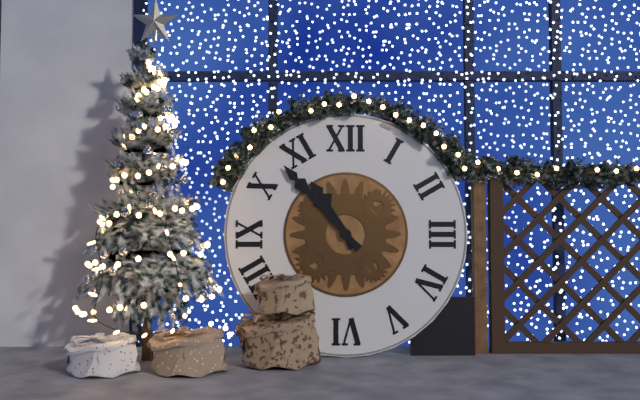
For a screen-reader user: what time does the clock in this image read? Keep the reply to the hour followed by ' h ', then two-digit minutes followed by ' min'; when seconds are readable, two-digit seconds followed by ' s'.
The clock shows 10 h 53 min
